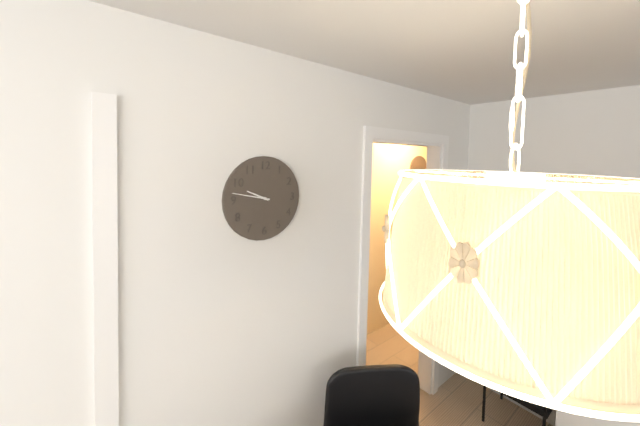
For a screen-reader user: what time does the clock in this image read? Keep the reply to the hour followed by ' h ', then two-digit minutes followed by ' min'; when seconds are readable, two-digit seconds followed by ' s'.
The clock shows 9 h 47 min
